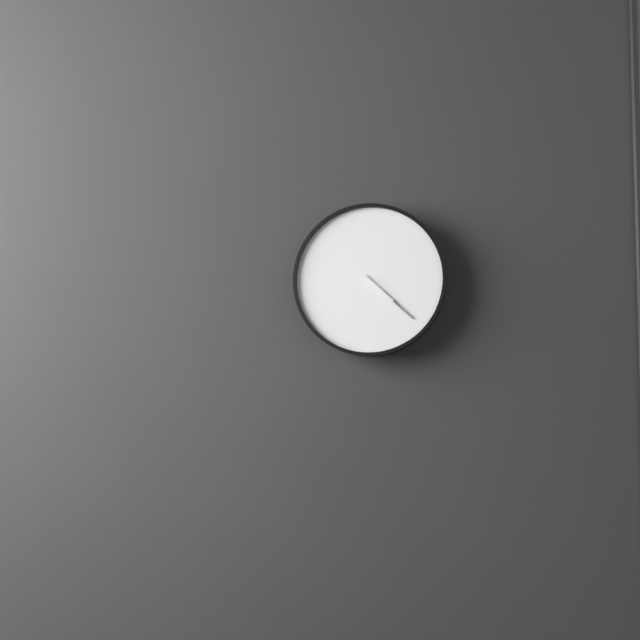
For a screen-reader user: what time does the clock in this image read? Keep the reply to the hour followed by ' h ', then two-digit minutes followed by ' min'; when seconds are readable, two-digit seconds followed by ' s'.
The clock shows 4 h 22 min
